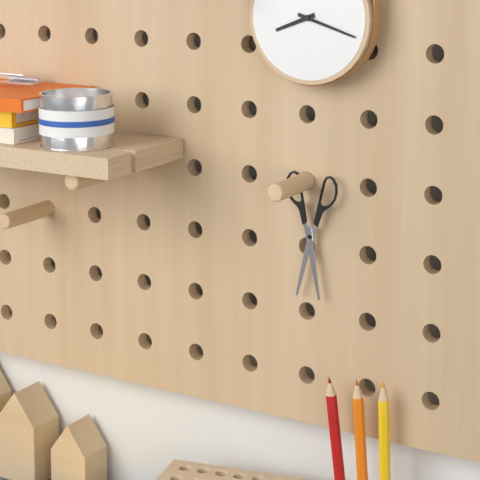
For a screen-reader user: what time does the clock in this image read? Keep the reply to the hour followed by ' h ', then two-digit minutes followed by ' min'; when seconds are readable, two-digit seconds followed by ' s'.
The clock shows 8 h 18 min
